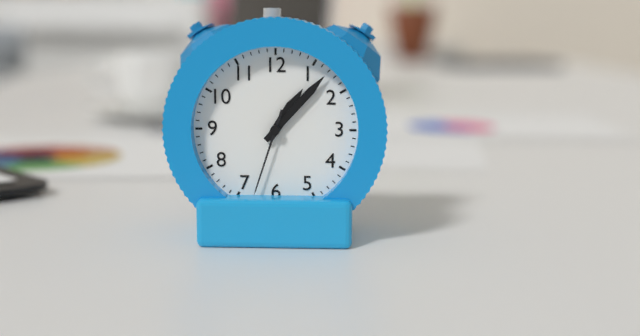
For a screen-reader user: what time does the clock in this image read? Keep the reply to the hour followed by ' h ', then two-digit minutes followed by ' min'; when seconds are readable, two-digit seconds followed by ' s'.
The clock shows 1 h 07 min 33 s
